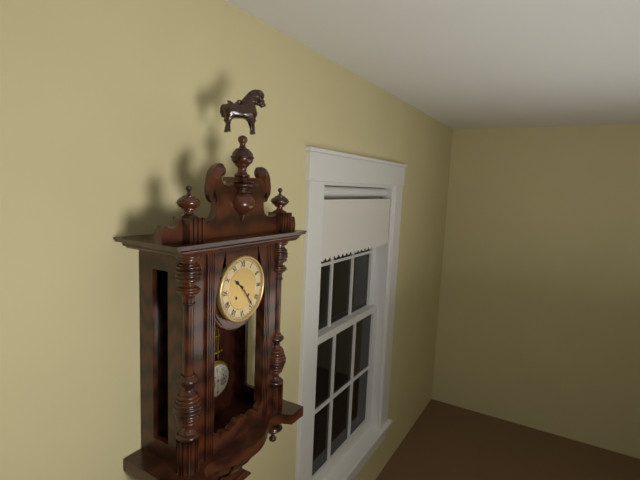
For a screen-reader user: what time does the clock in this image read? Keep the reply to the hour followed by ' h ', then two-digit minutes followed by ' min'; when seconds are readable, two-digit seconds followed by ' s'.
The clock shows 10 h 24 min
